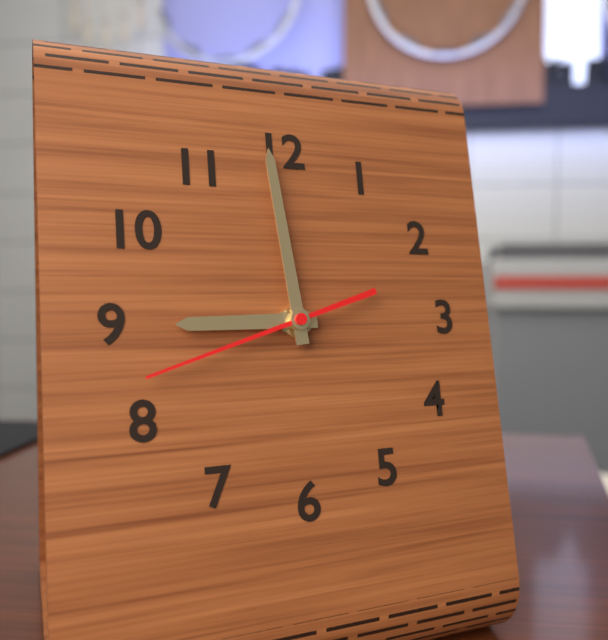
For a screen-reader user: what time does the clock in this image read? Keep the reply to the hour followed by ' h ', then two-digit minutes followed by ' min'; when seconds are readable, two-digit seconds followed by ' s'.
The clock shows 8 h 59 min 42 s
